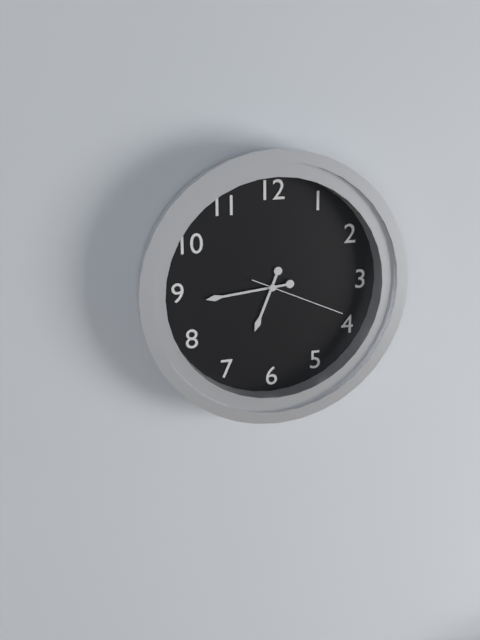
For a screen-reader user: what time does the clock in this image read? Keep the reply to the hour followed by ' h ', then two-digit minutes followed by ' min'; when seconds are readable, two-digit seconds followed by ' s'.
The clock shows 6 h 44 min 19 s
